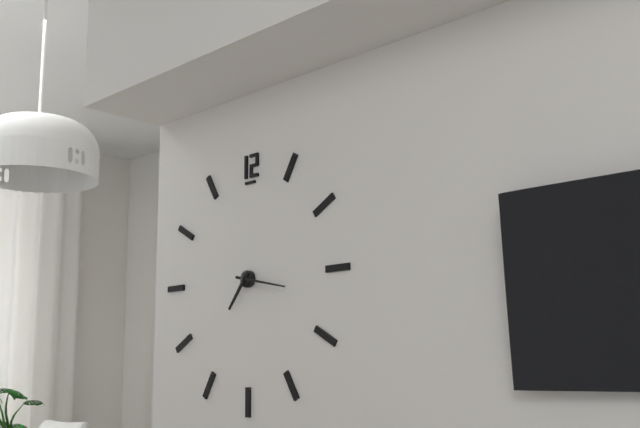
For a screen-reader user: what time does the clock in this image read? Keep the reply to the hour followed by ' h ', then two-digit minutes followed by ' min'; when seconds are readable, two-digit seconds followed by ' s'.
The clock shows 7 h 17 min
